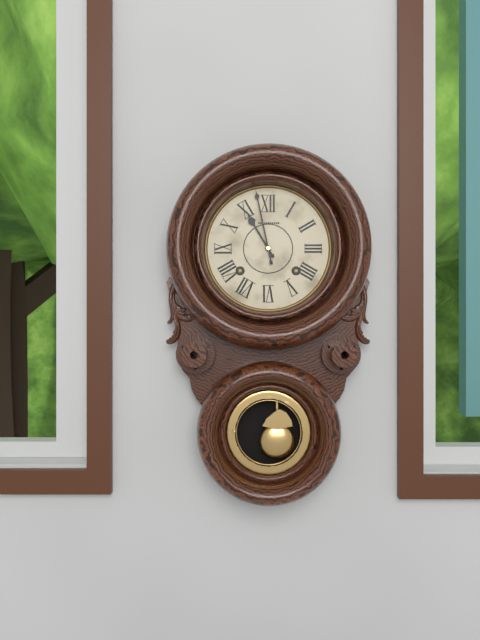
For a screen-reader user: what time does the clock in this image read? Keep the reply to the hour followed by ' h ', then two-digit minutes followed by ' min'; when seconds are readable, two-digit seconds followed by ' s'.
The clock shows 10 h 58 min
